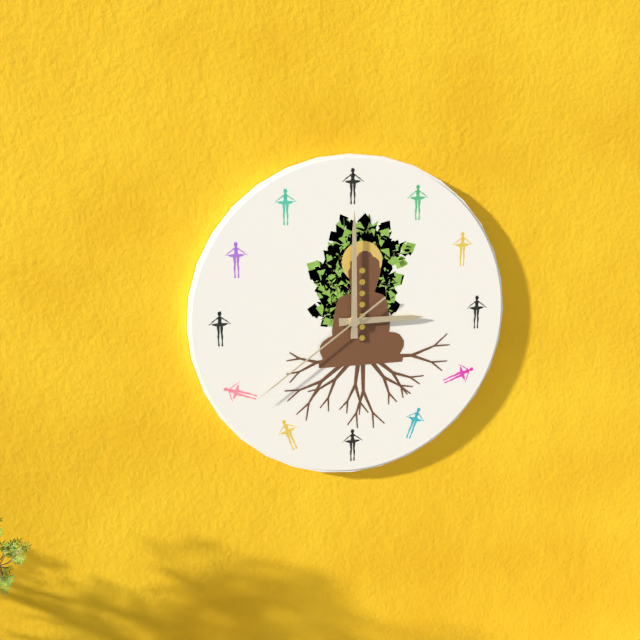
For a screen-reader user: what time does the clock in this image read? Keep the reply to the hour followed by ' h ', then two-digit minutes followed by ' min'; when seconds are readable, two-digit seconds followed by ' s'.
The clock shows 3 h 00 min 39 s
